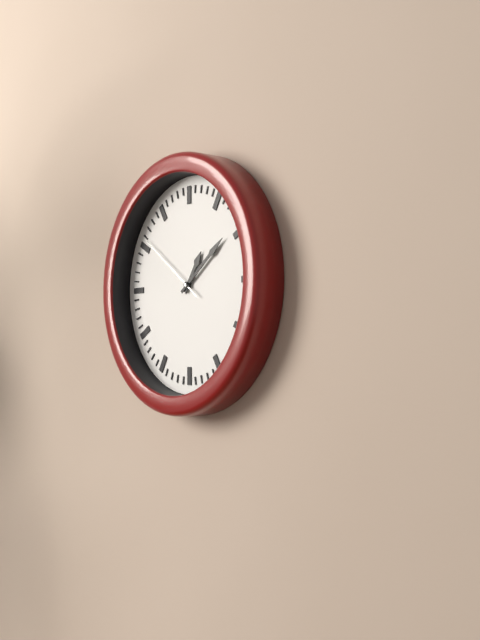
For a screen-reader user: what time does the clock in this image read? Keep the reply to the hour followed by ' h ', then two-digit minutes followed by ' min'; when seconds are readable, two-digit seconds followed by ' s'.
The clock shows 1 h 09 min 51 s
